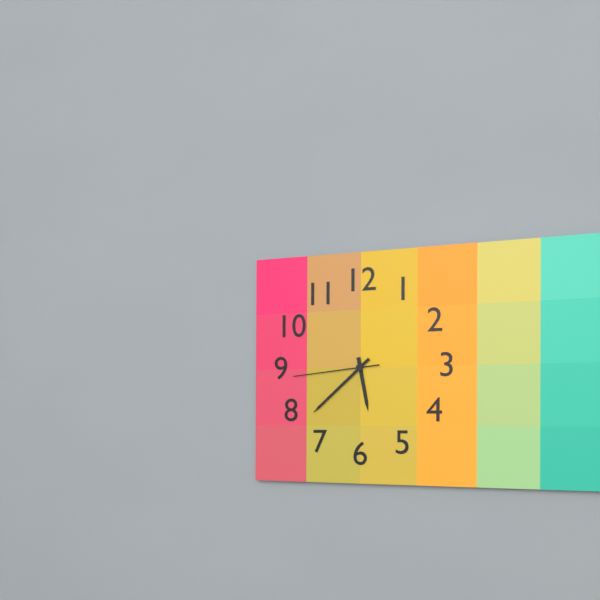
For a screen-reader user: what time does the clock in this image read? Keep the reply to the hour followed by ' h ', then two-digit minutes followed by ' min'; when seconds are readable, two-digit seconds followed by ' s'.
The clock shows 5 h 38 min 44 s
